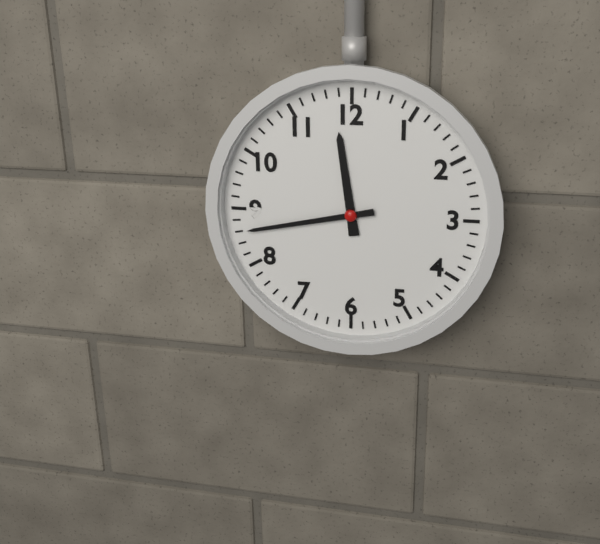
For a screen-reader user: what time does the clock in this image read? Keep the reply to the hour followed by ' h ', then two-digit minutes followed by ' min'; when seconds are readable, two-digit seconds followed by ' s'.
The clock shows 11 h 43 min
